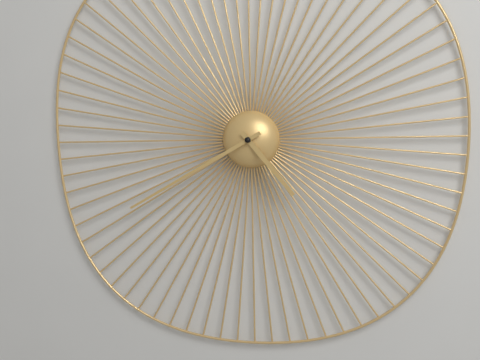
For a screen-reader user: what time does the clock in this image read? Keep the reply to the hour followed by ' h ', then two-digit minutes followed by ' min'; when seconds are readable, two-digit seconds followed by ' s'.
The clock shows 4 h 40 min
